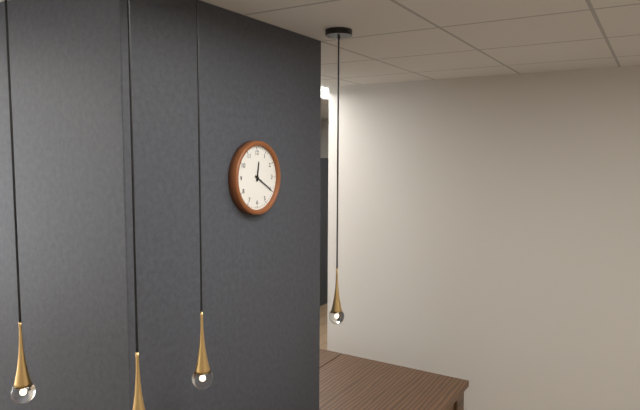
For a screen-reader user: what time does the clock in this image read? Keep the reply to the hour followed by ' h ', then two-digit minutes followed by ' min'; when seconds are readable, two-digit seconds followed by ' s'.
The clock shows 12 h 20 min
